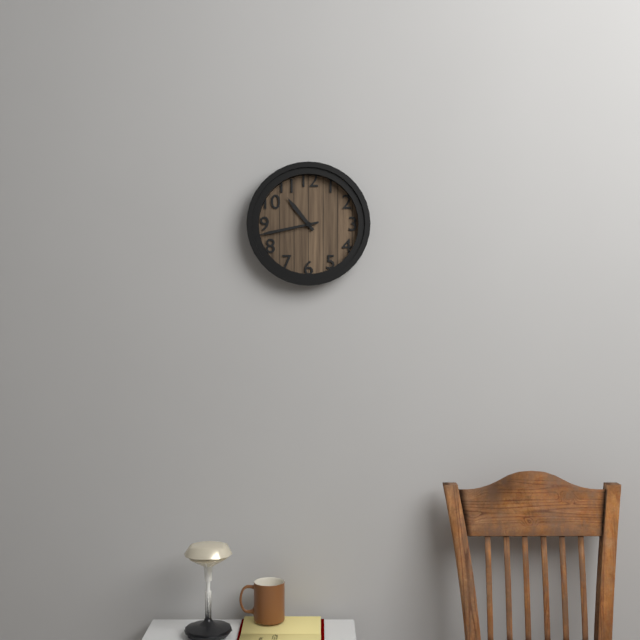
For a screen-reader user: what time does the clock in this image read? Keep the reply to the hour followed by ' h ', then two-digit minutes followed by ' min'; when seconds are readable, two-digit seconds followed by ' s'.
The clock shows 10 h 43 min
